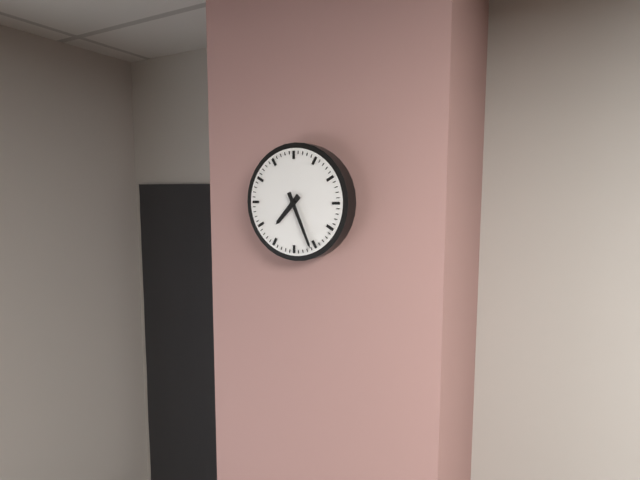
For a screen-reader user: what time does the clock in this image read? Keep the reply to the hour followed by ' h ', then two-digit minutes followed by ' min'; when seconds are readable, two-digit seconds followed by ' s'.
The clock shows 7 h 26 min
